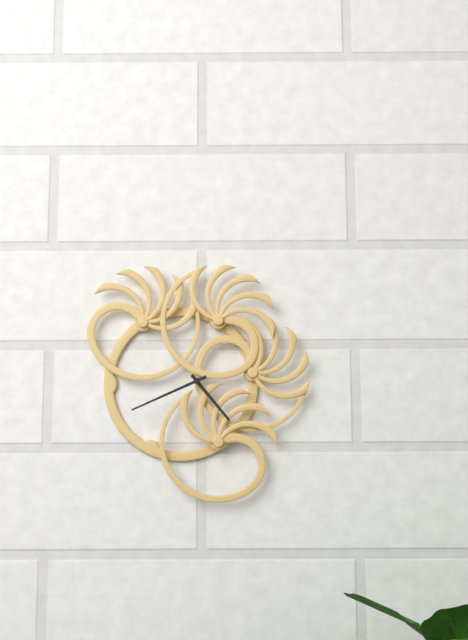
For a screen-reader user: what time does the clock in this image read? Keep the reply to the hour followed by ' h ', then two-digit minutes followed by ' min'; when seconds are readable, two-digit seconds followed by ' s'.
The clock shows 4 h 41 min
